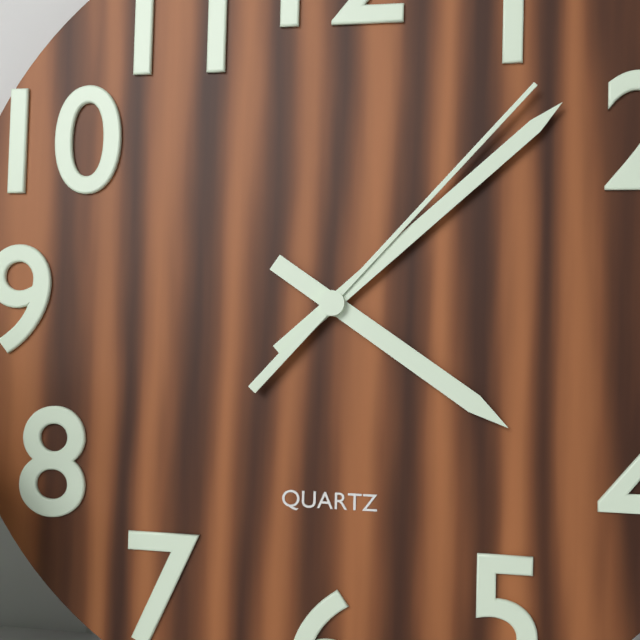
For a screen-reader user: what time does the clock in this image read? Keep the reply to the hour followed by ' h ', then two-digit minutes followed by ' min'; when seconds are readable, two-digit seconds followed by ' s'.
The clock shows 4 h 08 min 07 s
